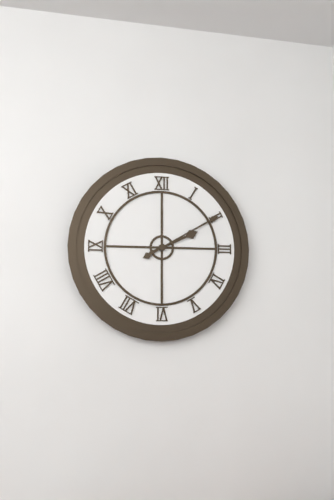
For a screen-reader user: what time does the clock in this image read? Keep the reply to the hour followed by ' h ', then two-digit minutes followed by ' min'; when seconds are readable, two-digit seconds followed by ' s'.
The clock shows 2 h 10 min
